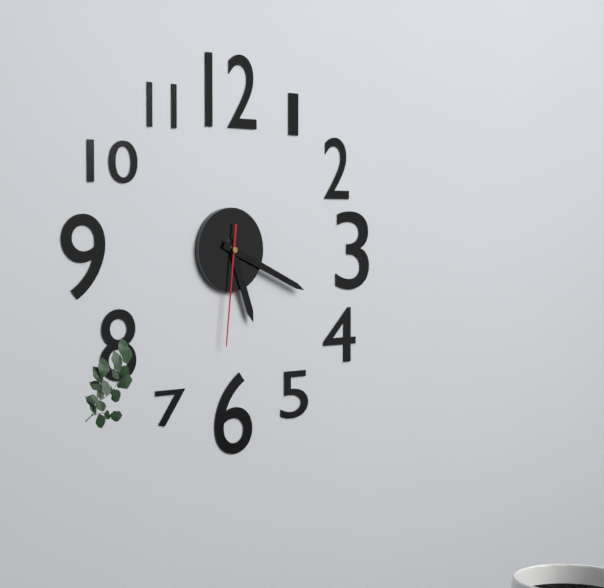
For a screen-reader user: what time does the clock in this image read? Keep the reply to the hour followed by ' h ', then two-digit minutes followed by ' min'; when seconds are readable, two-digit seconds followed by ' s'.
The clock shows 5 h 19 min 31 s
